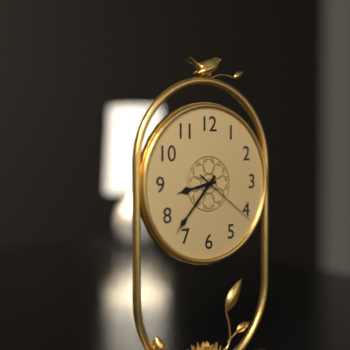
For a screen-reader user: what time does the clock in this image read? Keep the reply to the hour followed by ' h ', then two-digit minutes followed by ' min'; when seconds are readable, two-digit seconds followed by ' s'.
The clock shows 8 h 37 min 21 s
